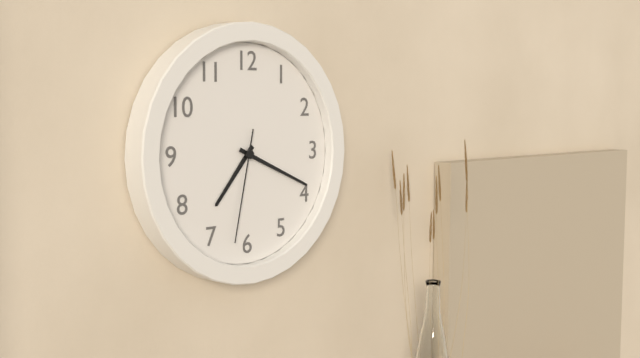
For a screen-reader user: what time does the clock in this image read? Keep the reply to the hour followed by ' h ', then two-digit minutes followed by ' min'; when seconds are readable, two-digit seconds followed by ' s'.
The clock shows 7 h 19 min 32 s
